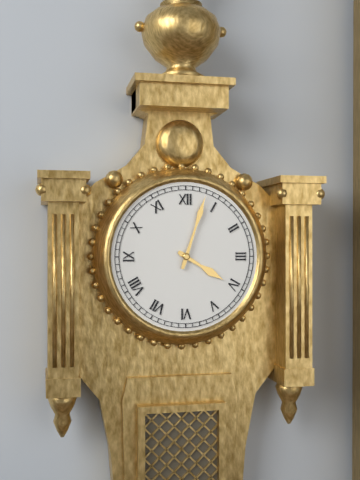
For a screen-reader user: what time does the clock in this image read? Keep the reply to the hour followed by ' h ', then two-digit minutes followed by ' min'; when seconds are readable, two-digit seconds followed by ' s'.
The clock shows 4 h 03 min
